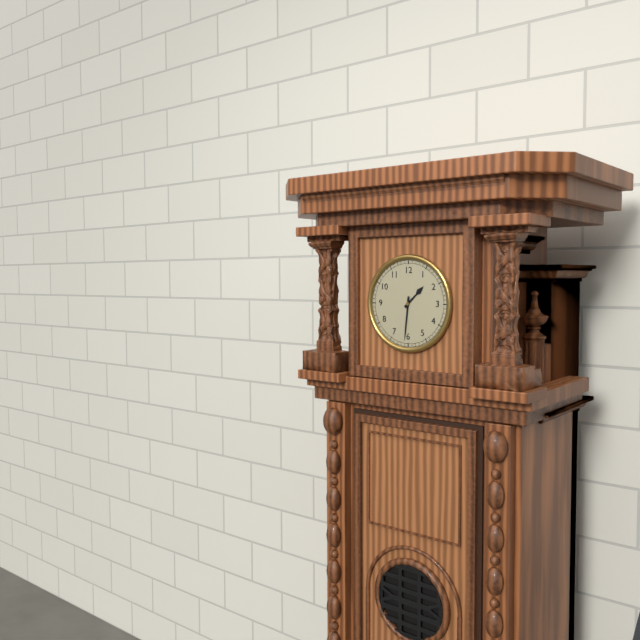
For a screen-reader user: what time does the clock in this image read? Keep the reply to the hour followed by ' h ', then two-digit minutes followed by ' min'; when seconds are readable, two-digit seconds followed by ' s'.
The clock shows 1 h 31 min
